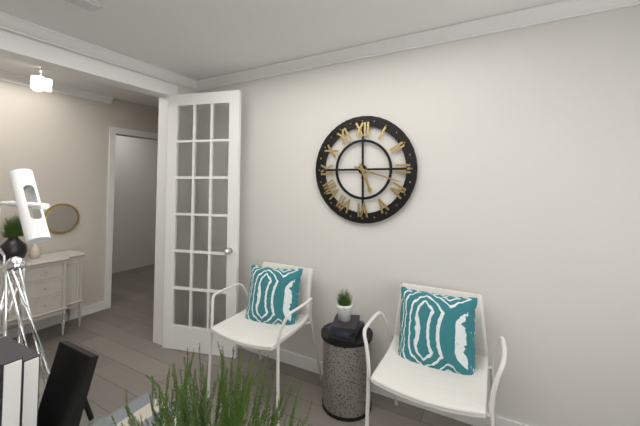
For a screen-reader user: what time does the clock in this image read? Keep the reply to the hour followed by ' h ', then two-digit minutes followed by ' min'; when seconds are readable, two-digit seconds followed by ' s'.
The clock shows 5 h 18 min
